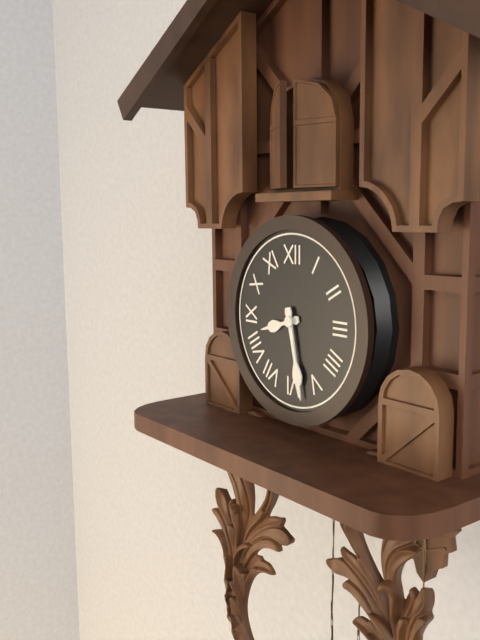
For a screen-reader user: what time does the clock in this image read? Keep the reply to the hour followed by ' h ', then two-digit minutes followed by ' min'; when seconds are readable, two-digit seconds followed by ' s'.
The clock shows 8 h 28 min
